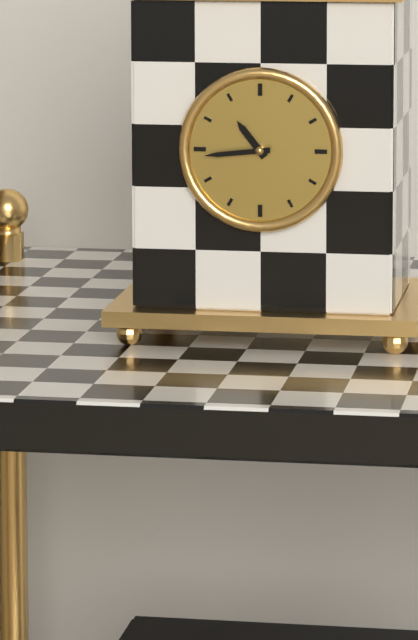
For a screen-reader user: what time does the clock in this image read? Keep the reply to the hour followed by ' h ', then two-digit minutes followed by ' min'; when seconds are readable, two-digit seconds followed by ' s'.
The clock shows 10 h 44 min
